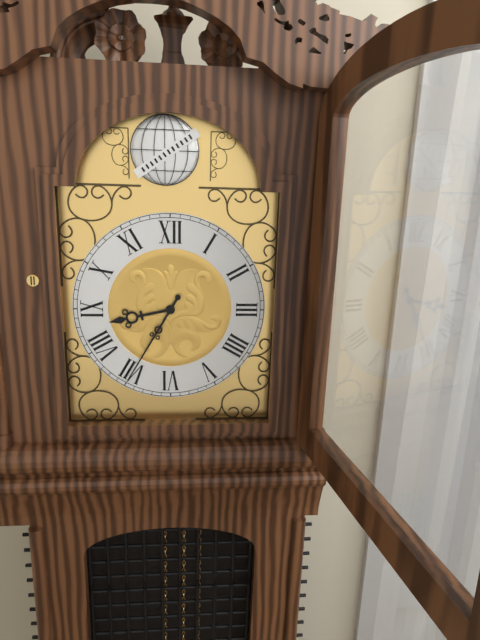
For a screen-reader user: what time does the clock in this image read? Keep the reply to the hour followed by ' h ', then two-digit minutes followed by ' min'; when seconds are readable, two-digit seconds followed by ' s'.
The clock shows 8 h 35 min
